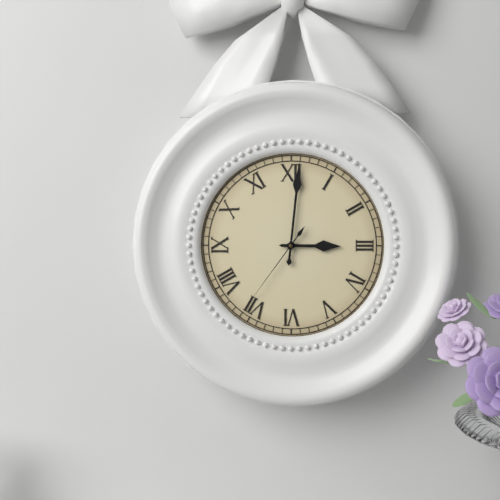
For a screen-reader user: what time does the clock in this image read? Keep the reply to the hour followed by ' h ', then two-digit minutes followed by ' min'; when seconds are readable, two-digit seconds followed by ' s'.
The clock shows 3 h 01 min 36 s
